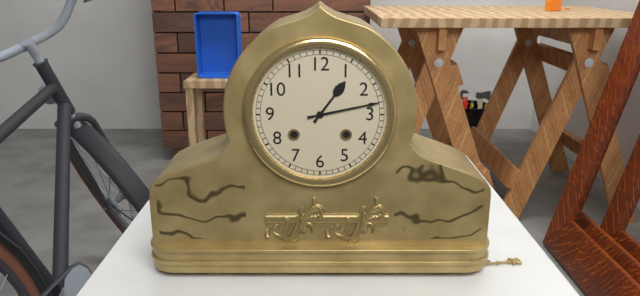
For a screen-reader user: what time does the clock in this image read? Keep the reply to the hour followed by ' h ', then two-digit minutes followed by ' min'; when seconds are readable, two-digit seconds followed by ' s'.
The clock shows 1 h 13 min
